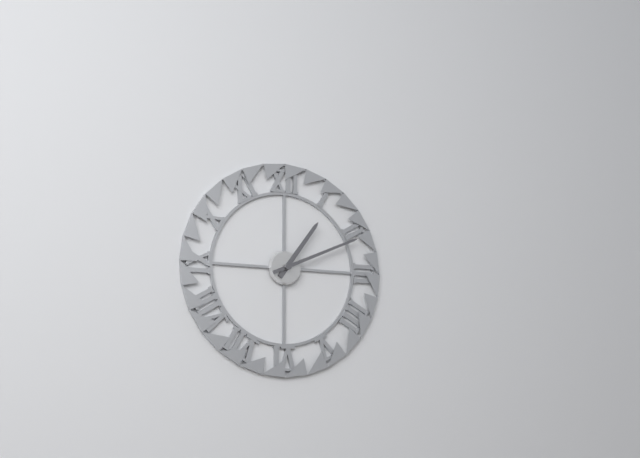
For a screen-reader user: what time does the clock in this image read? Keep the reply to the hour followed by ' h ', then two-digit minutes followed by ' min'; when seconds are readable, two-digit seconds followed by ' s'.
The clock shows 1 h 11 min
